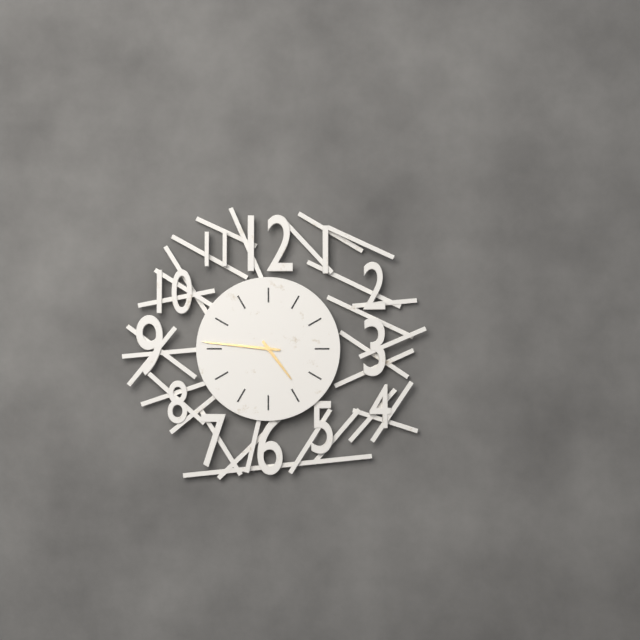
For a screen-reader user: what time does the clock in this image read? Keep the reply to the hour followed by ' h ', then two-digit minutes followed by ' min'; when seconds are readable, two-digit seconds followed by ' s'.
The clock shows 4 h 46 min
